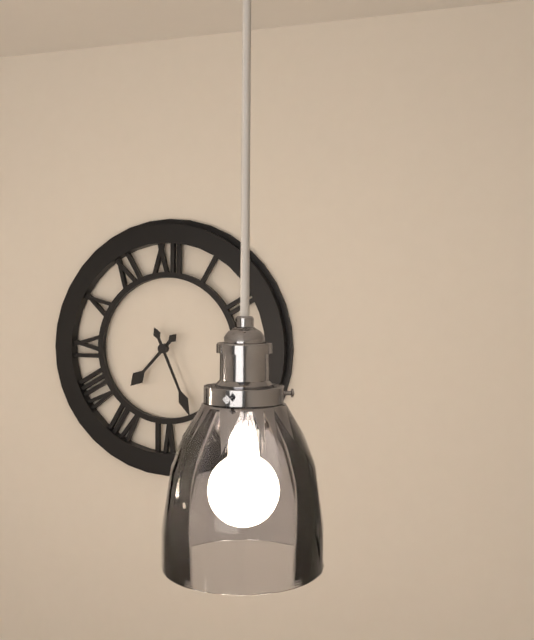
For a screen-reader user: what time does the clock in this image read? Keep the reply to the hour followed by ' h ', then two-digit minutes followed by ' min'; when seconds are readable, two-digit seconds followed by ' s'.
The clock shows 7 h 26 min
